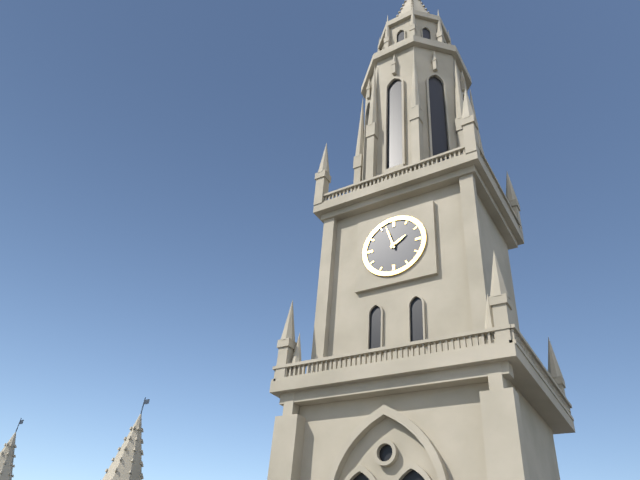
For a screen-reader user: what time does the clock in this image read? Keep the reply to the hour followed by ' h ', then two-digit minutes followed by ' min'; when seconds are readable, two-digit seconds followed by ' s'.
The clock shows 1 h 57 min
